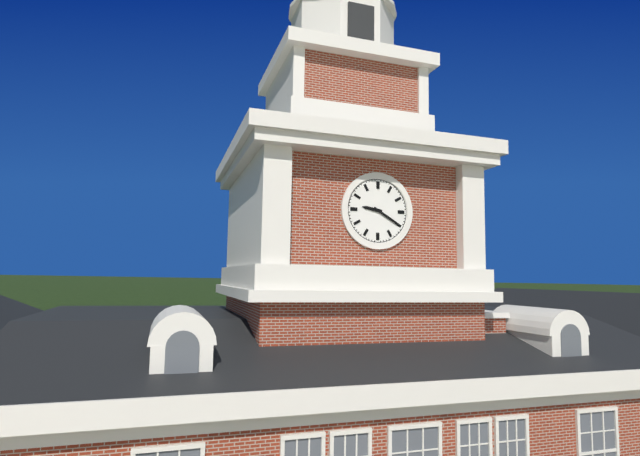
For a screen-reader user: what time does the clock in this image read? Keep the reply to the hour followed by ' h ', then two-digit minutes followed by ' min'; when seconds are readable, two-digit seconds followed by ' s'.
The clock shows 9 h 20 min
